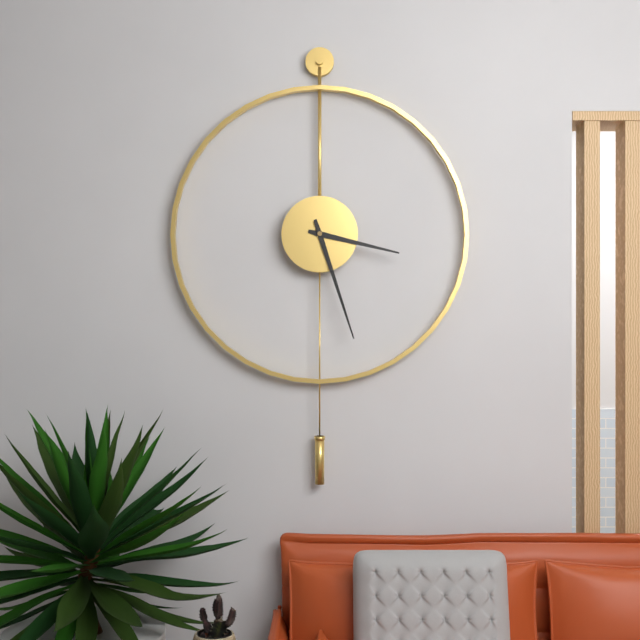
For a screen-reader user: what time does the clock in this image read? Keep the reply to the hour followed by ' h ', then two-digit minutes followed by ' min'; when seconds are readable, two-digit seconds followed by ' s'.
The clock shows 3 h 27 min
